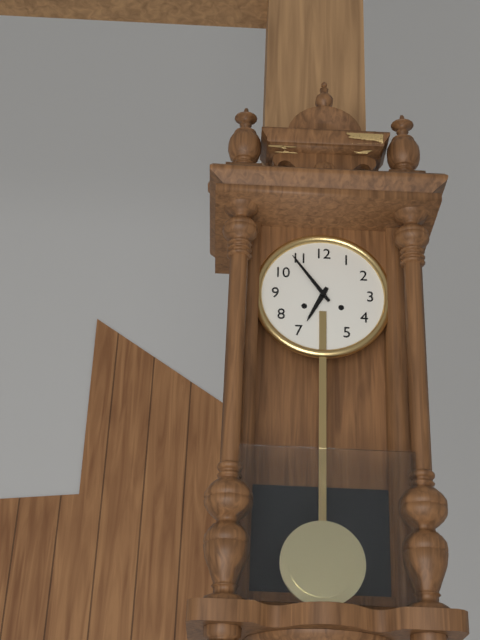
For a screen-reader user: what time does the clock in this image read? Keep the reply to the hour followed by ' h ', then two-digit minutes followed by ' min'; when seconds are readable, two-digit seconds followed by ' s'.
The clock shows 6 h 54 min
